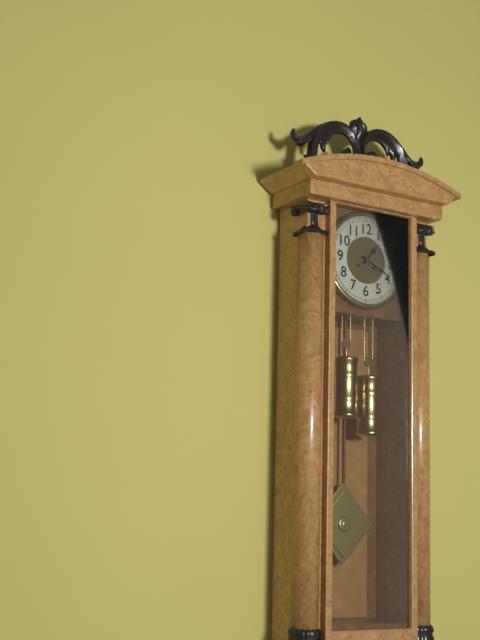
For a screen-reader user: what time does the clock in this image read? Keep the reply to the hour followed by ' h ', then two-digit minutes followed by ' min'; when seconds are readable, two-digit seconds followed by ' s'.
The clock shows 1 h 19 min
